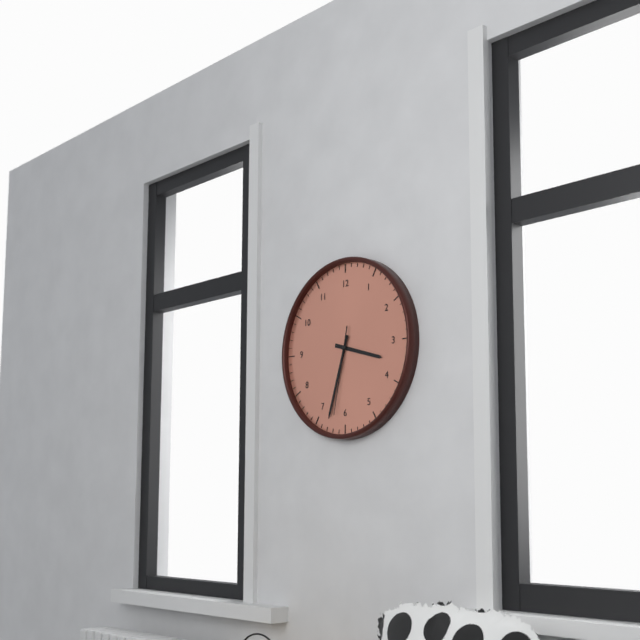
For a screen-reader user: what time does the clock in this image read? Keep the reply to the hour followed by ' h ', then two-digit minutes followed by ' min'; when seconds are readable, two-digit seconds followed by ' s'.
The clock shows 3 h 33 min 32 s
